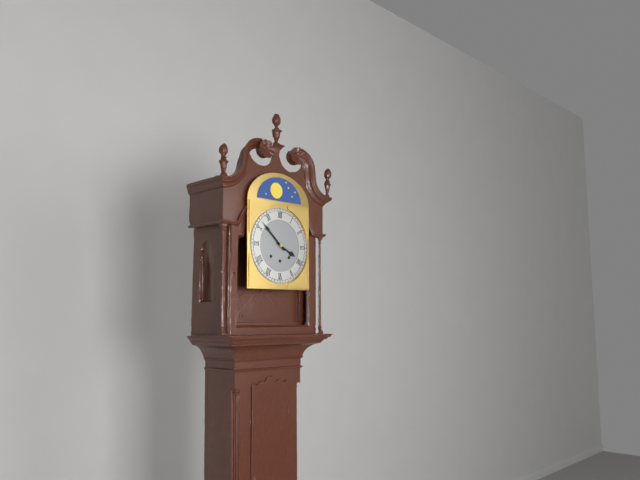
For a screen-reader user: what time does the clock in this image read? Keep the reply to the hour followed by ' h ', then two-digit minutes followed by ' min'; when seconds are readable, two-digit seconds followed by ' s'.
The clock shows 3 h 52 min
